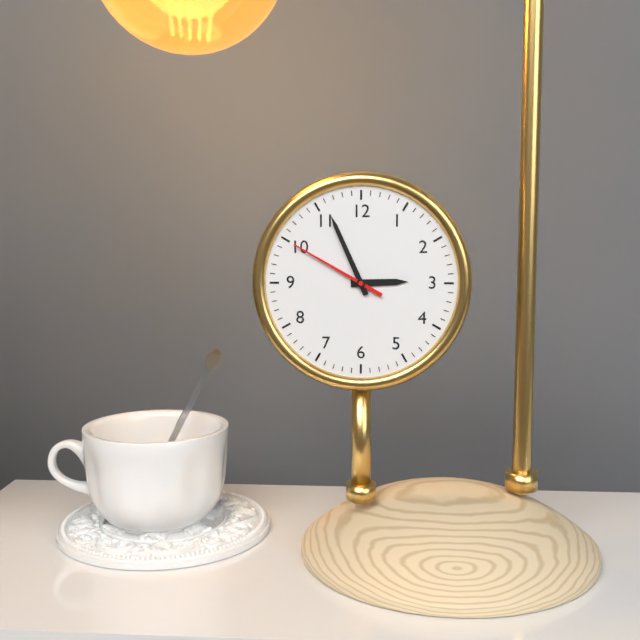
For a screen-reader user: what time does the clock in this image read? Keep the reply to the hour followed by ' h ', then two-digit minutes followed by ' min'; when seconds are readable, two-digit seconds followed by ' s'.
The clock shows 2 h 56 min 50 s
